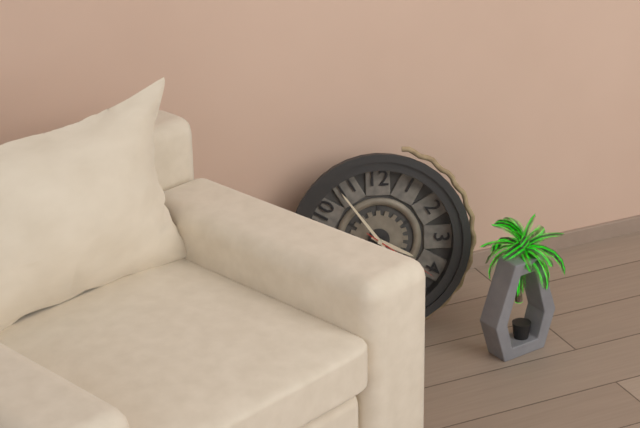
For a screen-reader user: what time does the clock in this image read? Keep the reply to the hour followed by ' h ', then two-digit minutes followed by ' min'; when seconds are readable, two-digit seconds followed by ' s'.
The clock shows 3 h 54 min 21 s
